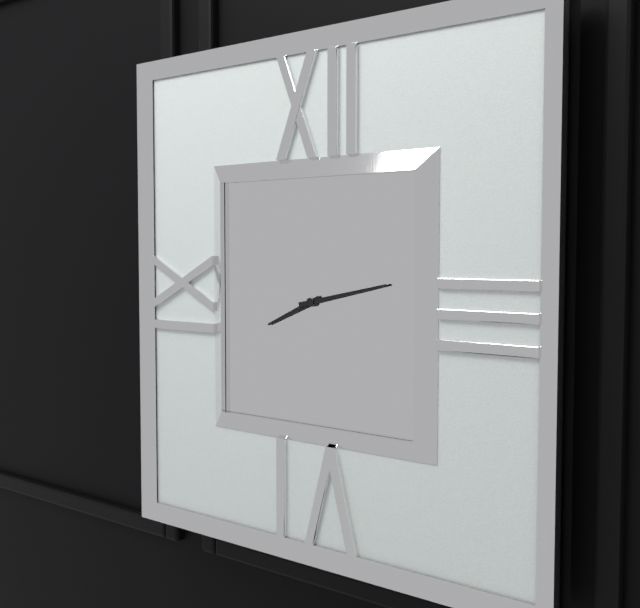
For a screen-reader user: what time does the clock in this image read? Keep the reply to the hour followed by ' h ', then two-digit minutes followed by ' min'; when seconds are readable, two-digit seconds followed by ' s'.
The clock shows 8 h 13 min
